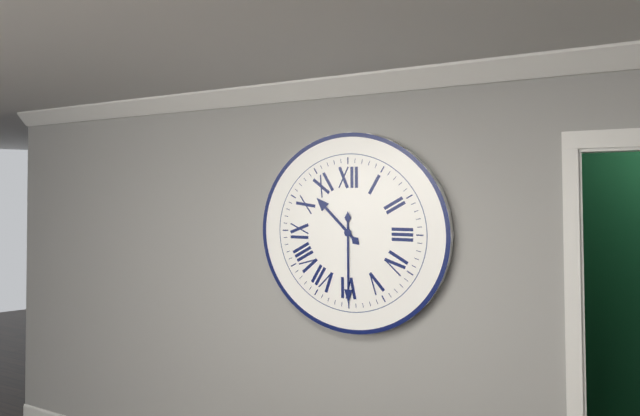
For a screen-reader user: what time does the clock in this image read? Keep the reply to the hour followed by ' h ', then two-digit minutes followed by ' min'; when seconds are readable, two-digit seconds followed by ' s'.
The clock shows 10 h 30 min
